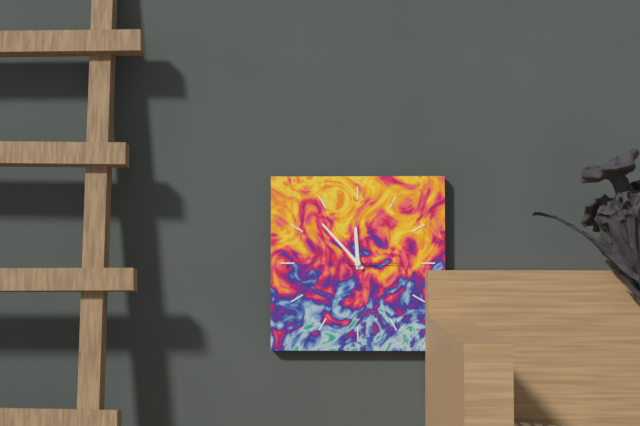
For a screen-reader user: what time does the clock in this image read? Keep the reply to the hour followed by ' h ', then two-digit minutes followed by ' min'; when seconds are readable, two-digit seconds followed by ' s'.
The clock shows 11 h 53 min 15 s
